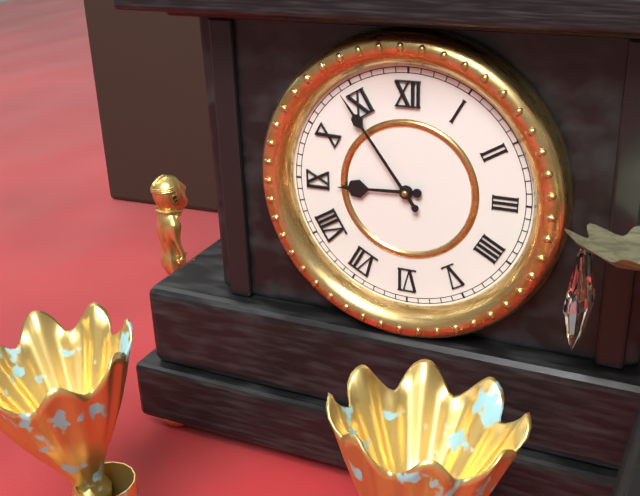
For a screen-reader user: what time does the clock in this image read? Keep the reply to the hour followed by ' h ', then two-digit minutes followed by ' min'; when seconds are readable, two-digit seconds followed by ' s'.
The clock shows 8 h 54 min
